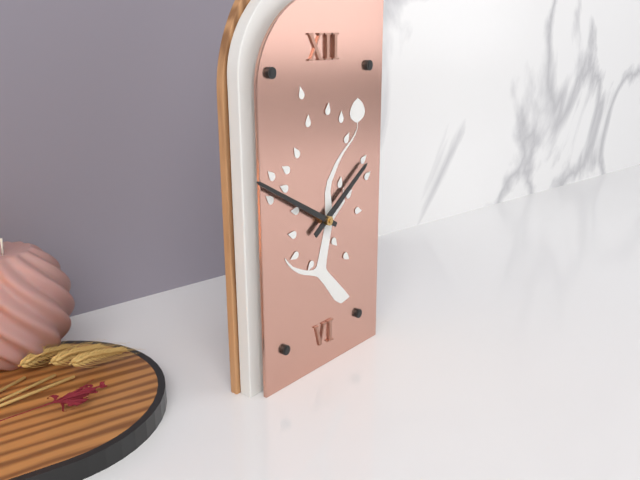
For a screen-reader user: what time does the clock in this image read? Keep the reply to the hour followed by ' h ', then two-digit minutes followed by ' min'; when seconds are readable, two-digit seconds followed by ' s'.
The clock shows 1 h 50 min
